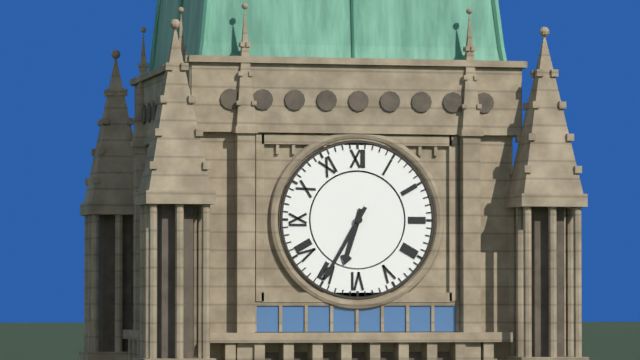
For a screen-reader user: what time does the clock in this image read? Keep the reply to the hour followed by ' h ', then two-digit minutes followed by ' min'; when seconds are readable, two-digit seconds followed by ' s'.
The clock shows 6 h 35 min
